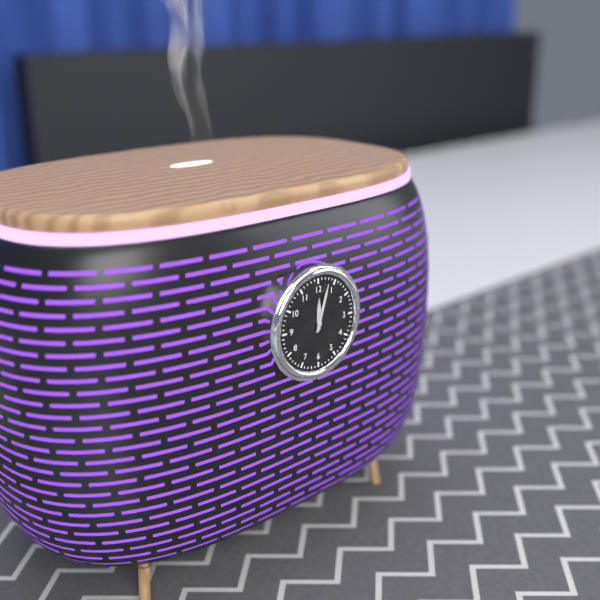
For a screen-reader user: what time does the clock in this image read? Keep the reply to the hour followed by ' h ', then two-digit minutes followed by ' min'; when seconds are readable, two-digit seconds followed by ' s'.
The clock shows 12 h 03 min
